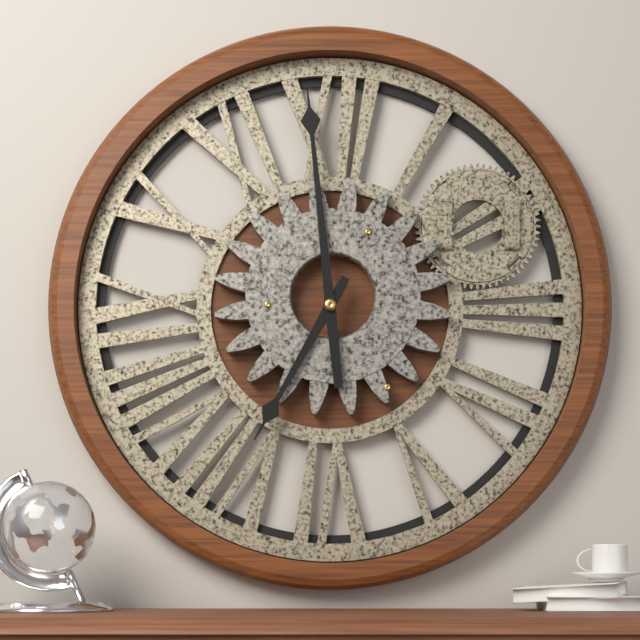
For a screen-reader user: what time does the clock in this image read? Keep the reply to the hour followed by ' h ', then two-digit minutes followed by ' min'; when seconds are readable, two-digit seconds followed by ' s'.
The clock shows 6 h 59 min
